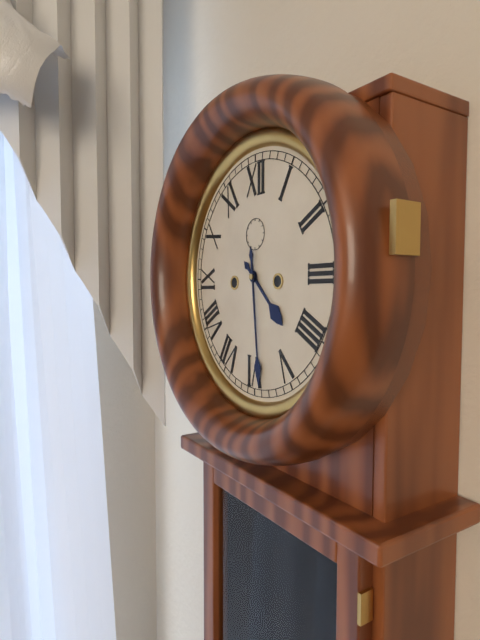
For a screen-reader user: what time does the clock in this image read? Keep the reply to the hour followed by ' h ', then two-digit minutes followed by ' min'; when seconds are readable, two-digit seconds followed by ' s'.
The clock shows 4 h 29 min
